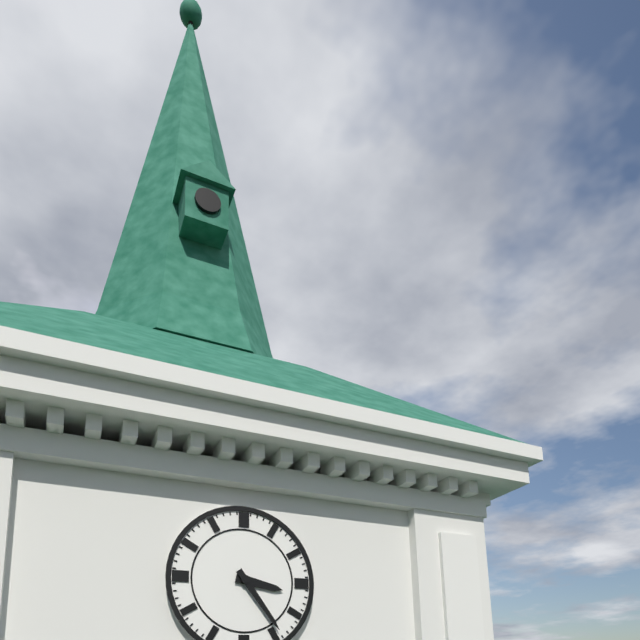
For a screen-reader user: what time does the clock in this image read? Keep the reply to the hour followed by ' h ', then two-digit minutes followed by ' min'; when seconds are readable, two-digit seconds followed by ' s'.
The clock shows 3 h 24 min
